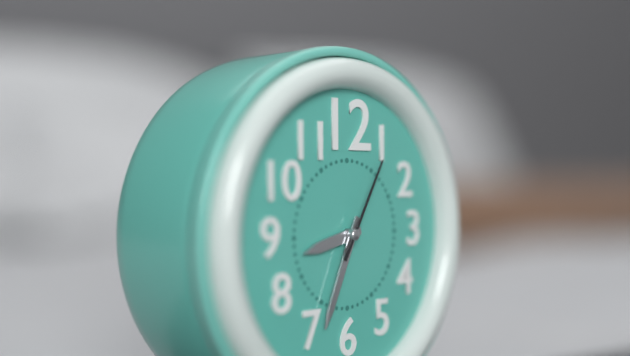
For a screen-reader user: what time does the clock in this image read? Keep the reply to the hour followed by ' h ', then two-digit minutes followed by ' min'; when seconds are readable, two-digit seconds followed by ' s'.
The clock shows 8 h 34 min 05 s
